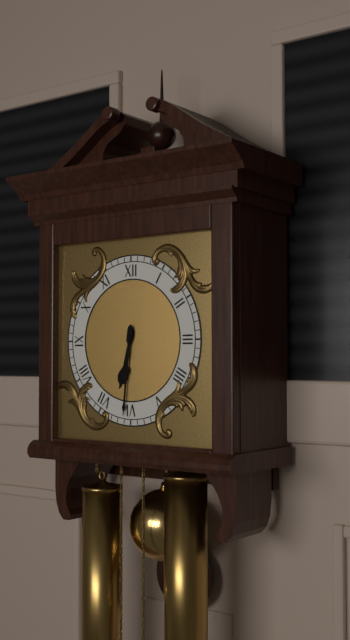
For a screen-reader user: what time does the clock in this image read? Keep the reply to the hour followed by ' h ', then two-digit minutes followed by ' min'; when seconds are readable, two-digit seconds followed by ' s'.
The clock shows 6 h 31 min
